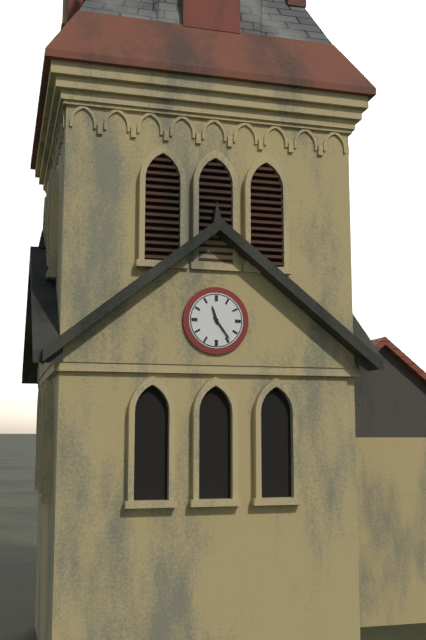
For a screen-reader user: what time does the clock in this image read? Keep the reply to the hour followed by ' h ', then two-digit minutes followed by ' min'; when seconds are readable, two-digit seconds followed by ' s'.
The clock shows 11 h 24 min
